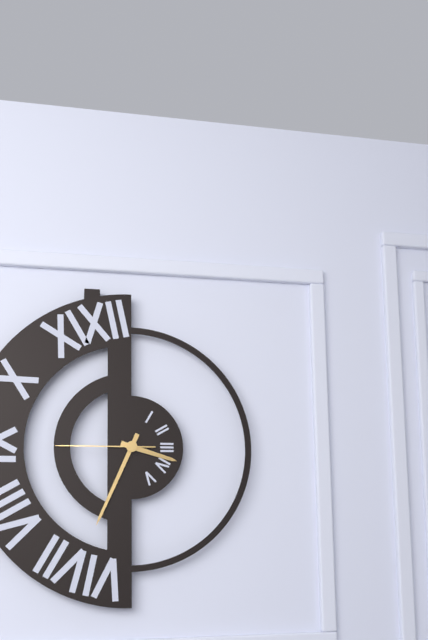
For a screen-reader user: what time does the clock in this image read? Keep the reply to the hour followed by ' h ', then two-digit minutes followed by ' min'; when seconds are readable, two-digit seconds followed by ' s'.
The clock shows 3 h 34 min 45 s
